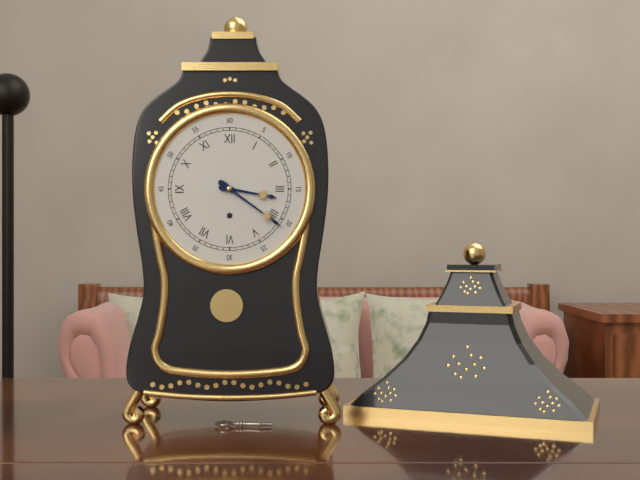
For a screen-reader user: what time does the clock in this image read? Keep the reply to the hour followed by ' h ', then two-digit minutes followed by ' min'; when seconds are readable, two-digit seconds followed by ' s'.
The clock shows 3 h 21 min
